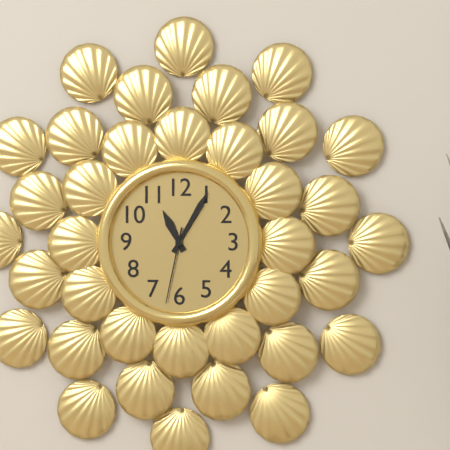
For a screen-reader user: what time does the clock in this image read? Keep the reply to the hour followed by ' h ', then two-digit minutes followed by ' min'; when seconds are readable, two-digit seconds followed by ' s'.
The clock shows 11 h 05 min 32 s
